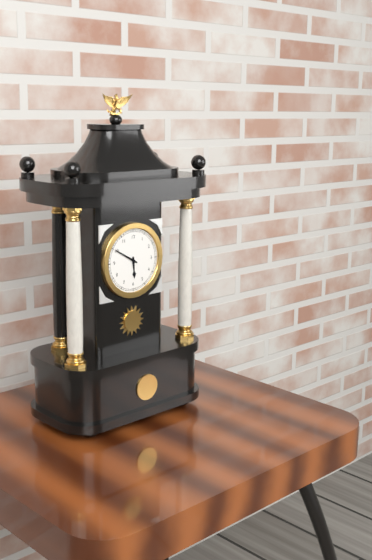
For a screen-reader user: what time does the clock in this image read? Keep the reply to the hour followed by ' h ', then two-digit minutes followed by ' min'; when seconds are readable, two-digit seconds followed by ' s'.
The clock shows 5 h 50 min
